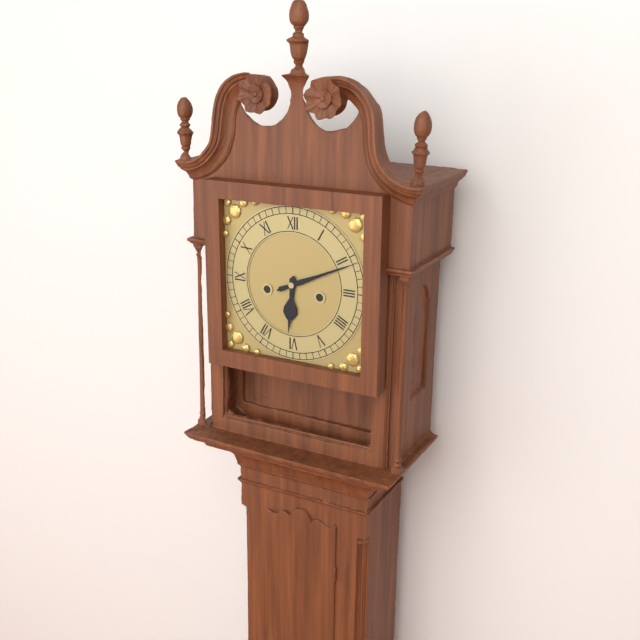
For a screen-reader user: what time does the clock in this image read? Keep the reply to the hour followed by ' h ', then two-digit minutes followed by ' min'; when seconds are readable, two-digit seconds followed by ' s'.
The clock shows 6 h 11 min
